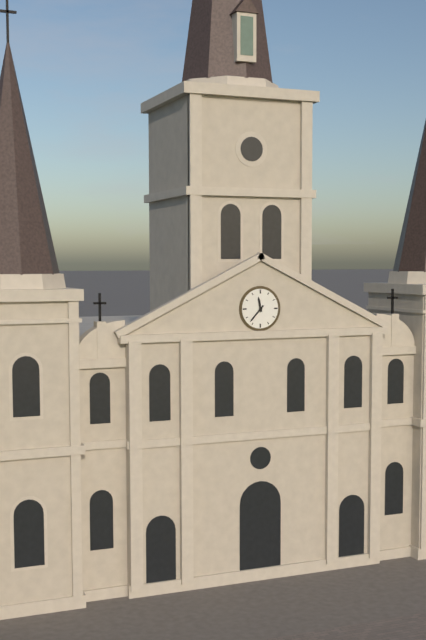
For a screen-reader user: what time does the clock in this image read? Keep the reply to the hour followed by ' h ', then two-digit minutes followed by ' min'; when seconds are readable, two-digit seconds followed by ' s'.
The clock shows 11 h 37 min
